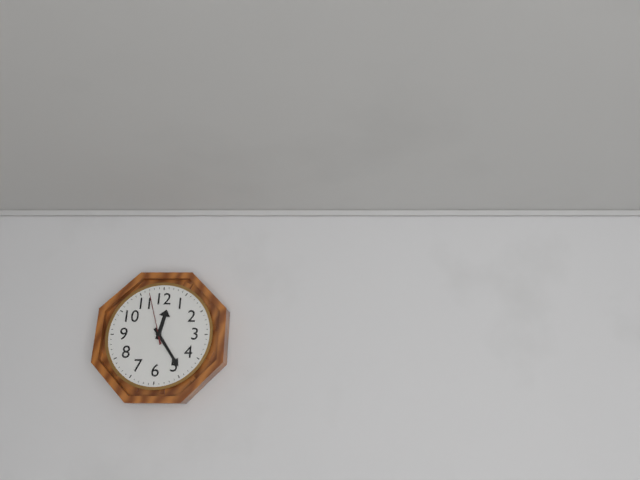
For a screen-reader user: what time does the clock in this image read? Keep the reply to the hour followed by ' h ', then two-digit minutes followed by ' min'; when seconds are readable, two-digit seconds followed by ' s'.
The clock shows 12 h 24 min 57 s
